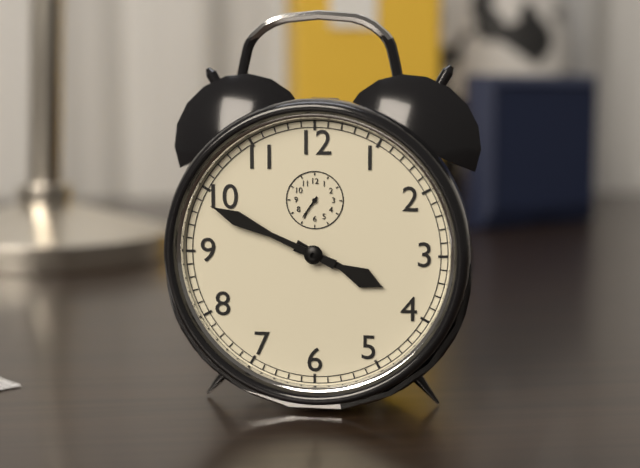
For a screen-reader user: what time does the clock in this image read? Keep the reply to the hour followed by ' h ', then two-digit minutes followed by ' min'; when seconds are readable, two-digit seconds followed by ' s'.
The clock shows 3 h 49 min
